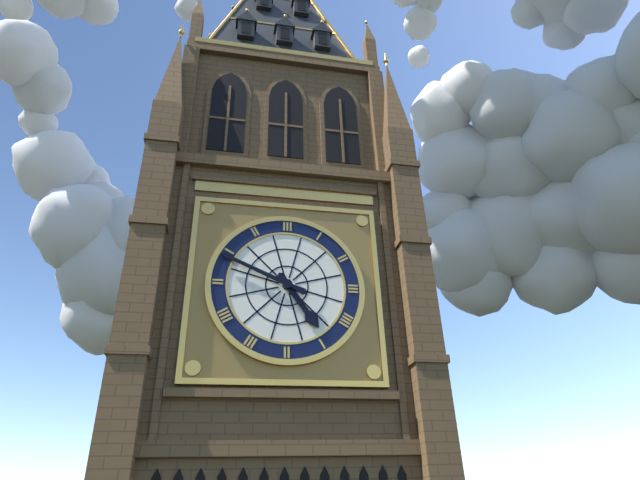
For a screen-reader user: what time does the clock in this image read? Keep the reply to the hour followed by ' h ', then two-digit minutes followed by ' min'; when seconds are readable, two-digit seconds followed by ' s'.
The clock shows 4 h 49 min
